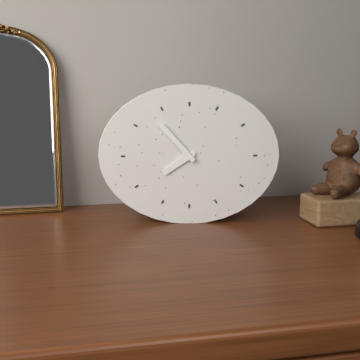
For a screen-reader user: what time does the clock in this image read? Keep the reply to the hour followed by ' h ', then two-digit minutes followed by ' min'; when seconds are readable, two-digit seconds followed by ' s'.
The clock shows 7 h 53 min
